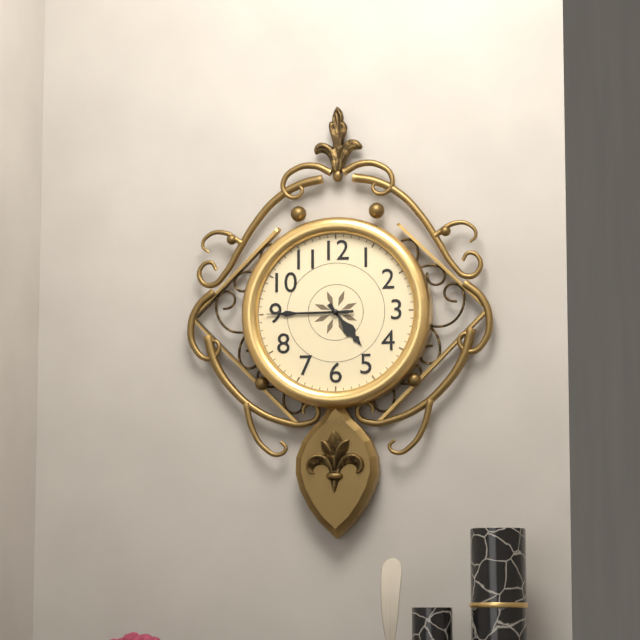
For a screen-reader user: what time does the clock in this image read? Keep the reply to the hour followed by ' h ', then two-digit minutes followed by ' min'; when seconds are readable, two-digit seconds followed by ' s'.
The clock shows 4 h 45 min 45 s
